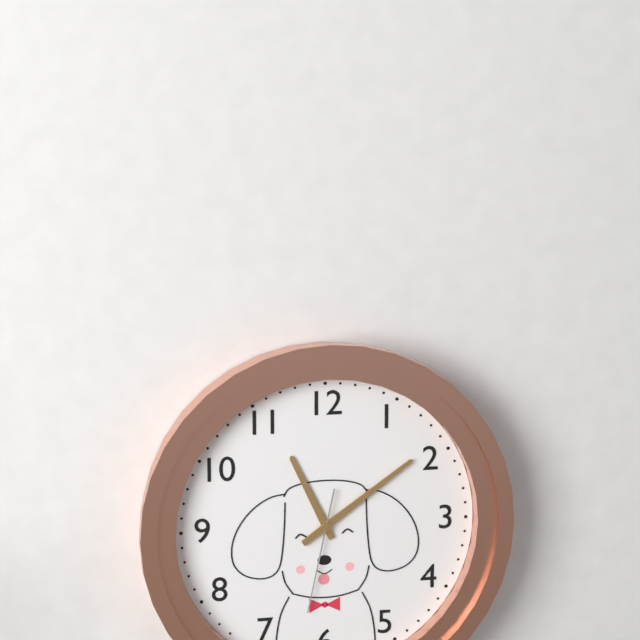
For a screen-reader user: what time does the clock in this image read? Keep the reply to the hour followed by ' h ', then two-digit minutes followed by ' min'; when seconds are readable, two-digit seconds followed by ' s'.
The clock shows 11 h 09 min 32 s
